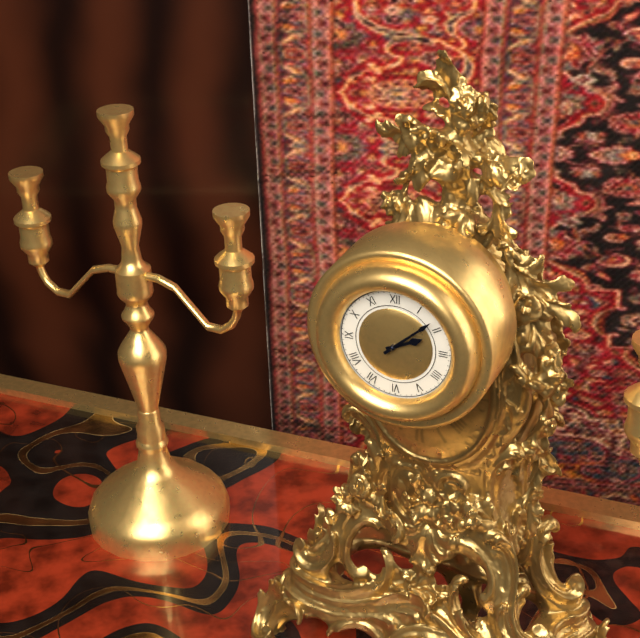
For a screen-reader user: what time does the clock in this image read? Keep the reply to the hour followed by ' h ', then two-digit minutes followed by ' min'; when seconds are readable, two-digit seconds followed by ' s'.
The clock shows 2 h 08 min
